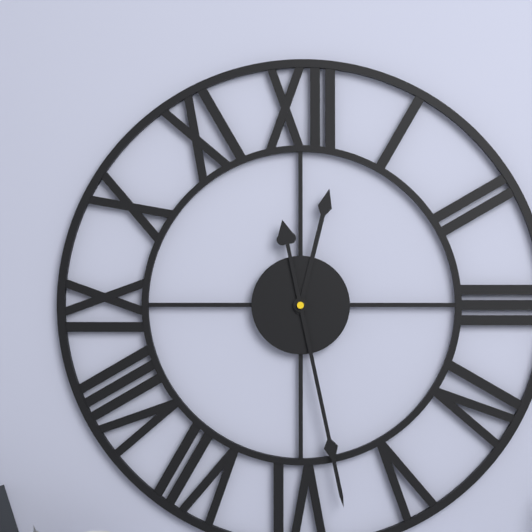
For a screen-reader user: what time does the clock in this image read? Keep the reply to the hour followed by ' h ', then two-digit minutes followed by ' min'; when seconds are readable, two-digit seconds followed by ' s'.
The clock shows 12 h 28 min
